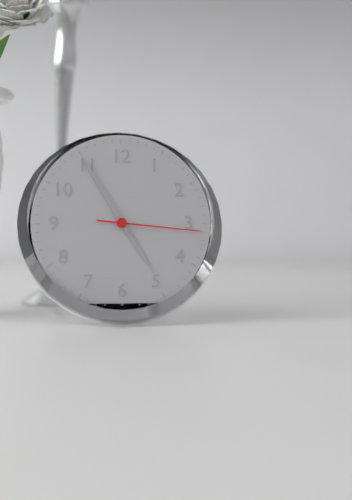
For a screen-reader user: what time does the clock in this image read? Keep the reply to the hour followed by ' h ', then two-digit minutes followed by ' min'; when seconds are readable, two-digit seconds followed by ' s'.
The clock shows 4 h 55 min 16 s
